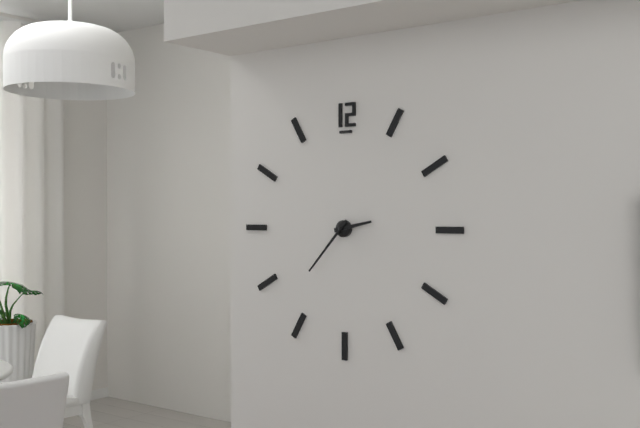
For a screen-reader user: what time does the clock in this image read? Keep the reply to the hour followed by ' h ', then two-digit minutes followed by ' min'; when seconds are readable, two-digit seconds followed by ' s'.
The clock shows 2 h 37 min
